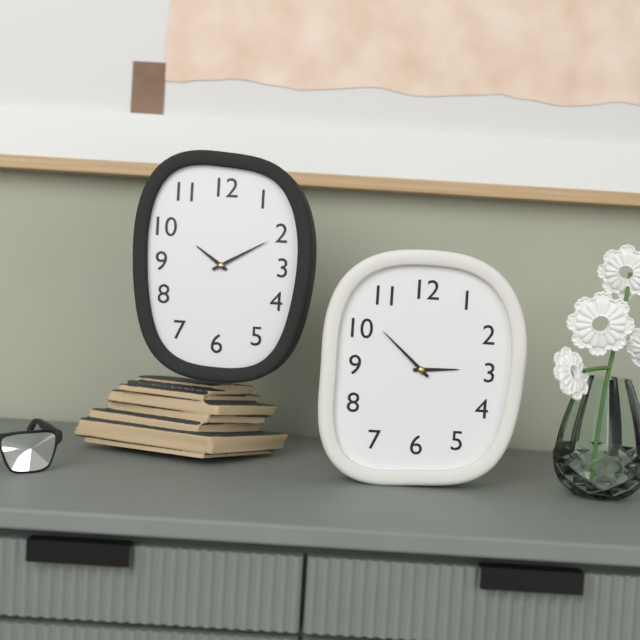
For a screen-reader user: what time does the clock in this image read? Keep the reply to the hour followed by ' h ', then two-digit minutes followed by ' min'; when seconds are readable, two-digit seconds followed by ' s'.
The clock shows 2 h 52 min
